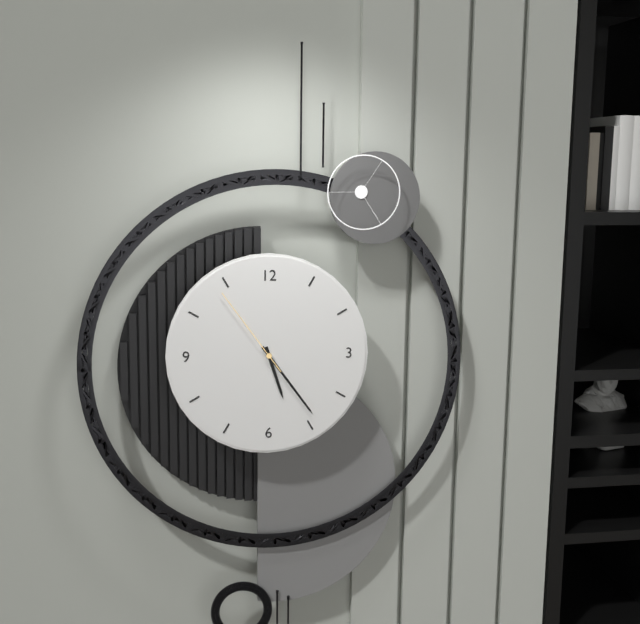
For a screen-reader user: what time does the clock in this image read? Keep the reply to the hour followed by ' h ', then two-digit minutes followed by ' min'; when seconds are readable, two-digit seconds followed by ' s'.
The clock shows 5 h 24 min 54 s
